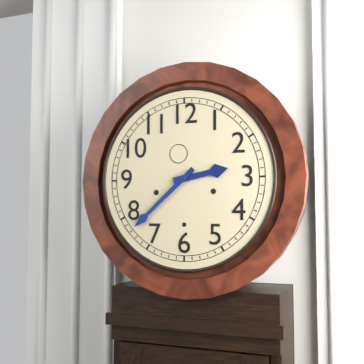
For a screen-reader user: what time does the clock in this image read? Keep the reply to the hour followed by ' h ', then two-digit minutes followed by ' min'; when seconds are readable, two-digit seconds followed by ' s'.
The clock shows 2 h 38 min
